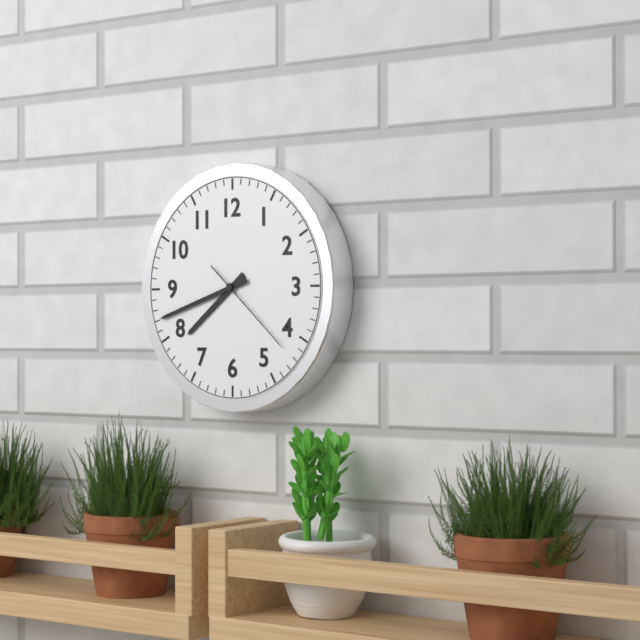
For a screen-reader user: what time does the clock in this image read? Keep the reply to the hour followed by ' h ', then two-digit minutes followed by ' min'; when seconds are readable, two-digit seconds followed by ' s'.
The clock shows 7 h 42 min 22 s
